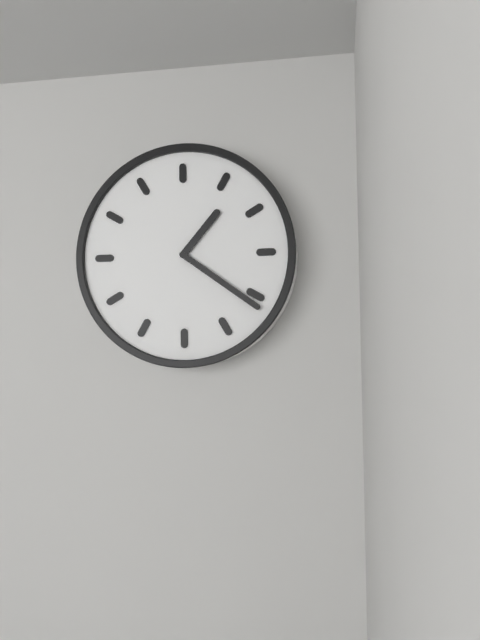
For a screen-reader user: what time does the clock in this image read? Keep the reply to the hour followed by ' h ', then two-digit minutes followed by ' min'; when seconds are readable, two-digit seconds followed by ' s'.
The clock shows 1 h 21 min
